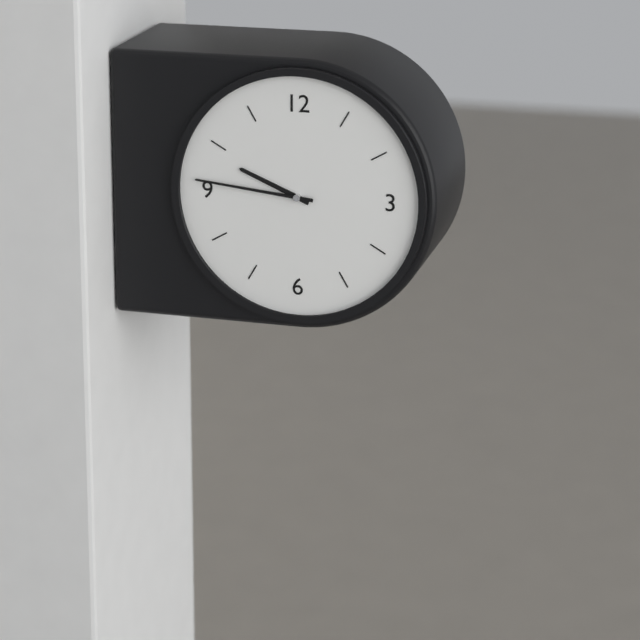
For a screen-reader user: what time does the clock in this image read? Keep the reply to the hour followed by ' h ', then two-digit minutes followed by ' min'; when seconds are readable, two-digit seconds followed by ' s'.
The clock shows 9 h 46 min
